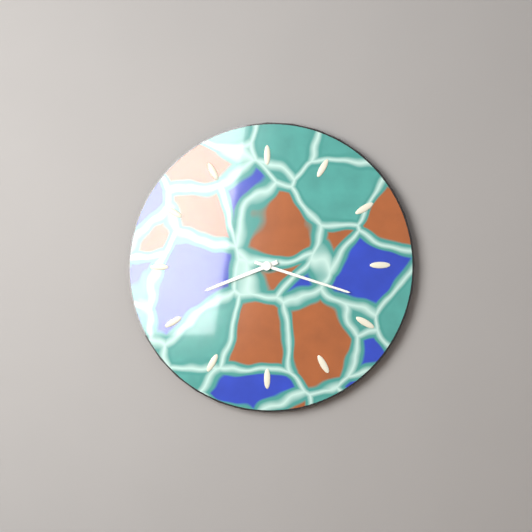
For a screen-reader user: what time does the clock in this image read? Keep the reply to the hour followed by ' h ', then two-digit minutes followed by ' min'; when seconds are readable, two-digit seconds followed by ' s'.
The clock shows 8 h 18 min
